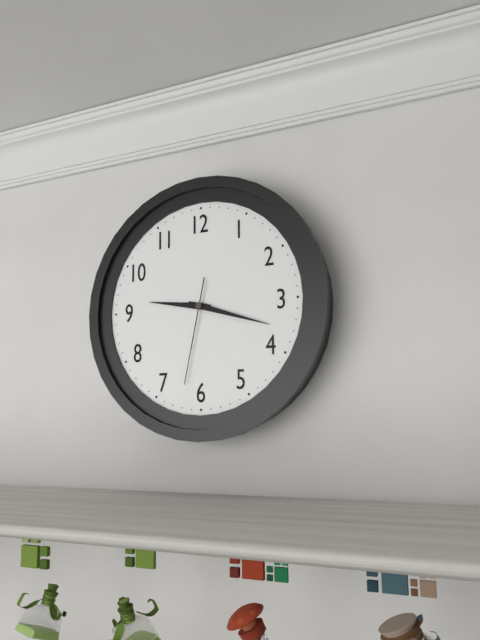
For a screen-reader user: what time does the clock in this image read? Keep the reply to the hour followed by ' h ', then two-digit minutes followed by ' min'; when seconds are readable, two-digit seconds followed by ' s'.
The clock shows 9 h 18 min 32 s
